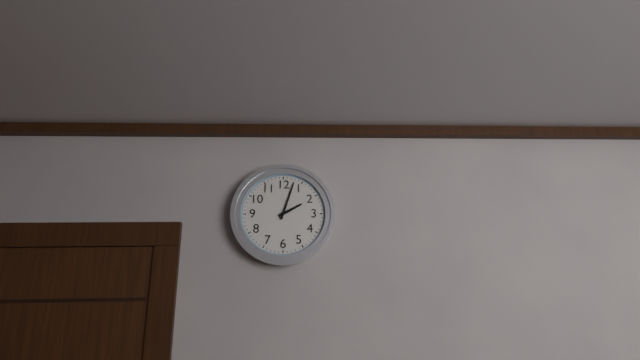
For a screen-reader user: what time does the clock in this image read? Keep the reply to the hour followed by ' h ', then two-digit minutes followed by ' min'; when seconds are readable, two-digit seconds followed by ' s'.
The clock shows 2 h 03 min
